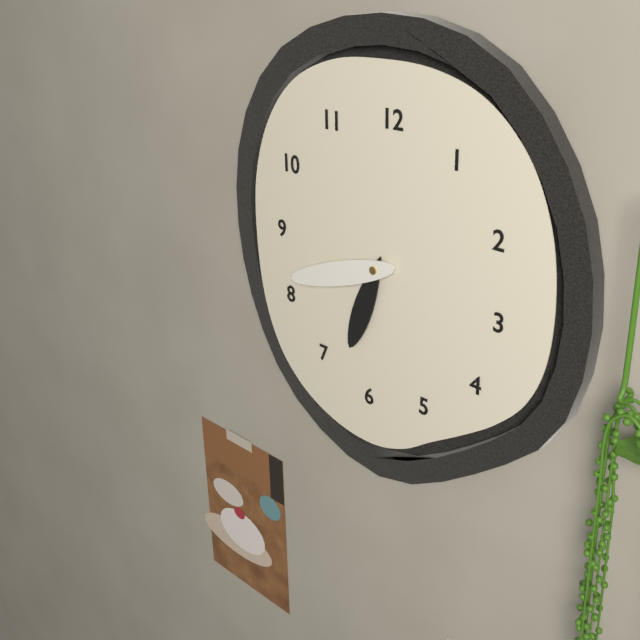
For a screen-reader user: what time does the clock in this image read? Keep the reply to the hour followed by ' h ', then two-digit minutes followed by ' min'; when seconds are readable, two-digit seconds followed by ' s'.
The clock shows 6 h 42 min
